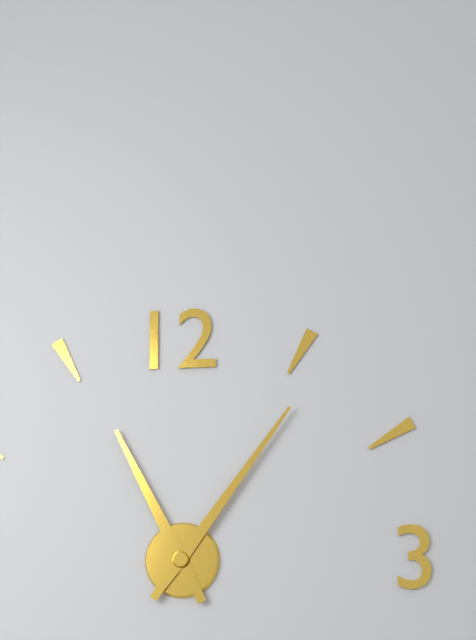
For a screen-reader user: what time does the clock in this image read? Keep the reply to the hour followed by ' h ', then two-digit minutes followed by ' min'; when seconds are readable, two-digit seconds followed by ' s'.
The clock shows 11 h 06 min
